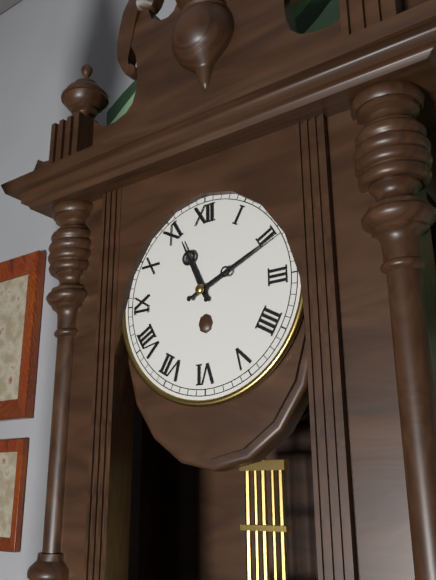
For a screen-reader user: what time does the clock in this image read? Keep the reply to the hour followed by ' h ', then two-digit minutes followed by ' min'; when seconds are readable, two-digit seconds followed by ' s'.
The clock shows 11 h 11 min
